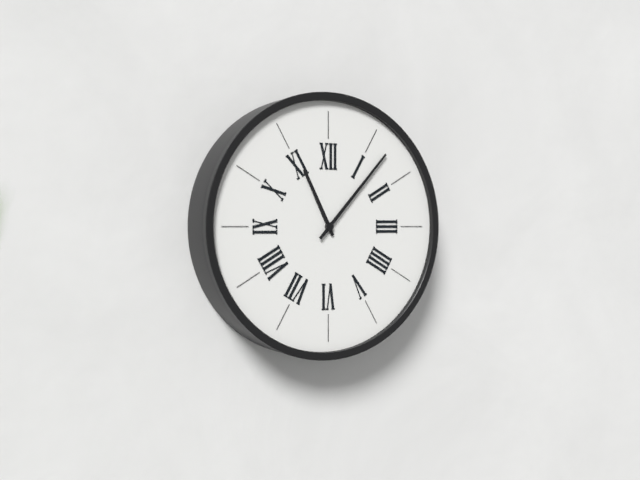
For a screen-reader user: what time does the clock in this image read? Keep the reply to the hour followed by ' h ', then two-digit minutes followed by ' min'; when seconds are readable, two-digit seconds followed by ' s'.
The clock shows 11 h 07 min
